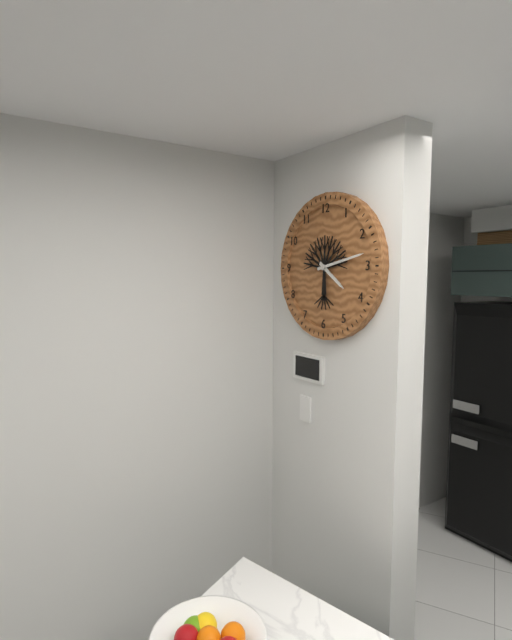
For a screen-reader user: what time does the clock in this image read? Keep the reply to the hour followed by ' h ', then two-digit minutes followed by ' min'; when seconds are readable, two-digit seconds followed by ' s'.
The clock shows 4 h 13 min
